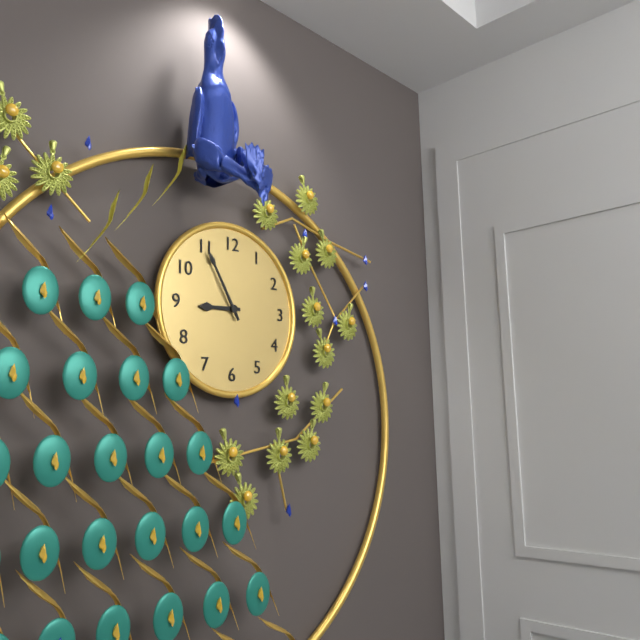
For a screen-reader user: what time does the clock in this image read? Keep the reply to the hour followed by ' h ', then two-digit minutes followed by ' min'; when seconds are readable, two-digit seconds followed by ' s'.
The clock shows 8 h 55 min
